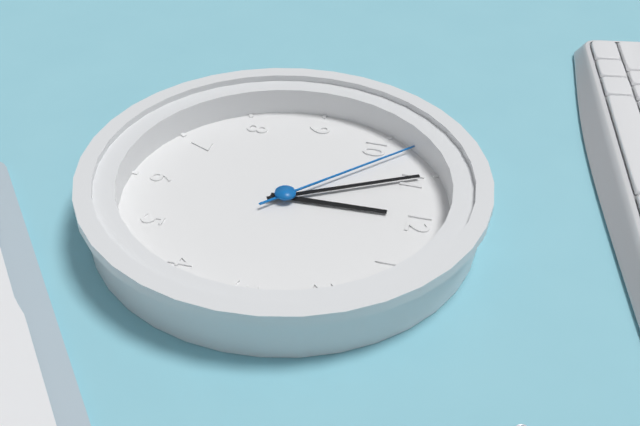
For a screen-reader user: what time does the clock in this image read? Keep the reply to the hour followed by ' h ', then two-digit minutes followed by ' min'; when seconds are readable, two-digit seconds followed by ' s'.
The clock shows 11 h 55 min 52 s
